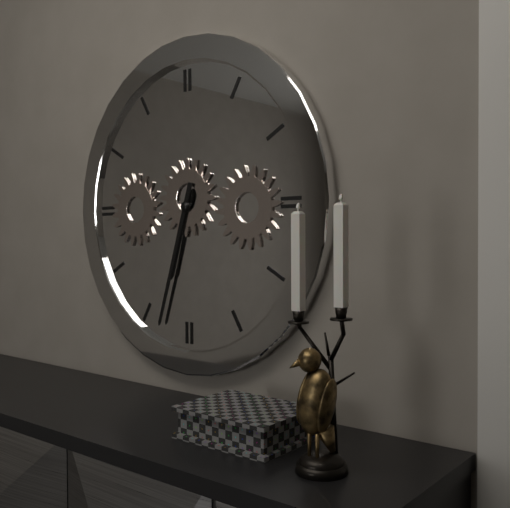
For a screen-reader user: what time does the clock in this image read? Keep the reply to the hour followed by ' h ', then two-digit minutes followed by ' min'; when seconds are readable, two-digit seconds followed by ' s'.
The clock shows 6 h 33 min
